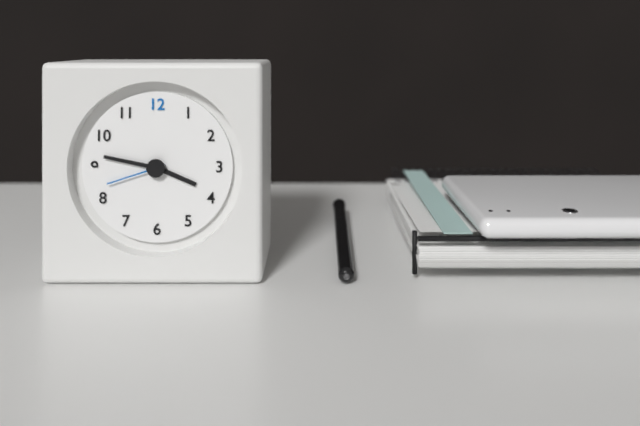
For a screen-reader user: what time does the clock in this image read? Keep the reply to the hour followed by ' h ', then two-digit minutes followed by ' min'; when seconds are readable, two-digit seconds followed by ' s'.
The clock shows 3 h 47 min 42 s
